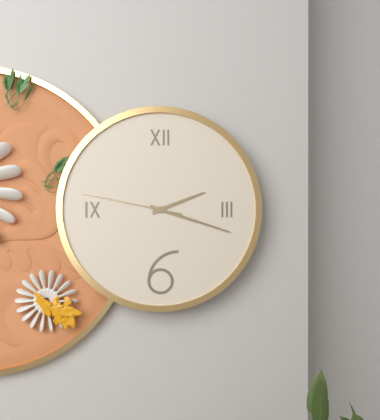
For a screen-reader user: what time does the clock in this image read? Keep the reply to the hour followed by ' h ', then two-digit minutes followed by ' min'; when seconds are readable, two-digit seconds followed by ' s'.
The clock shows 2 h 18 min 47 s
